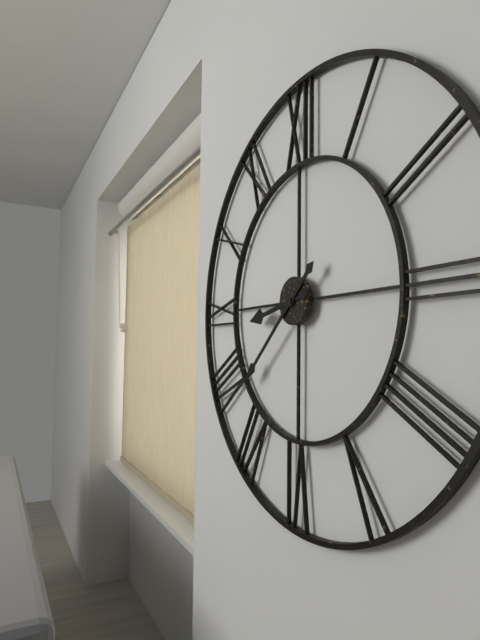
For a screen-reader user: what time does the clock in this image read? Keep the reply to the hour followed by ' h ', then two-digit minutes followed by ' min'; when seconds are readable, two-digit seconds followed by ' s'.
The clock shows 8 h 38 min
